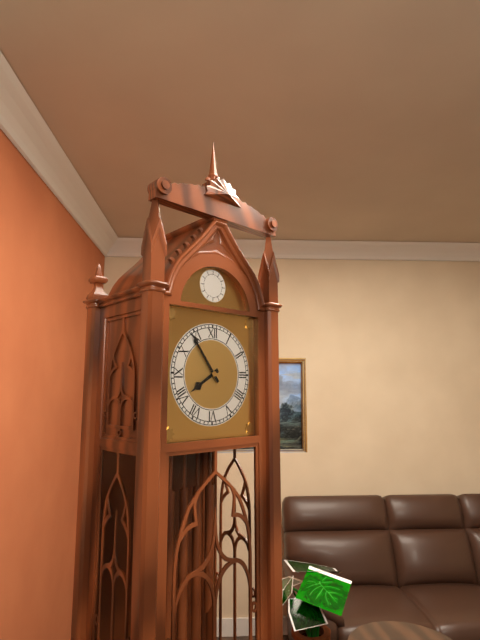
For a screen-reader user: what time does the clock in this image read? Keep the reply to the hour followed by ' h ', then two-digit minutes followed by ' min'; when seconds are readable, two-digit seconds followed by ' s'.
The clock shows 7 h 54 min
